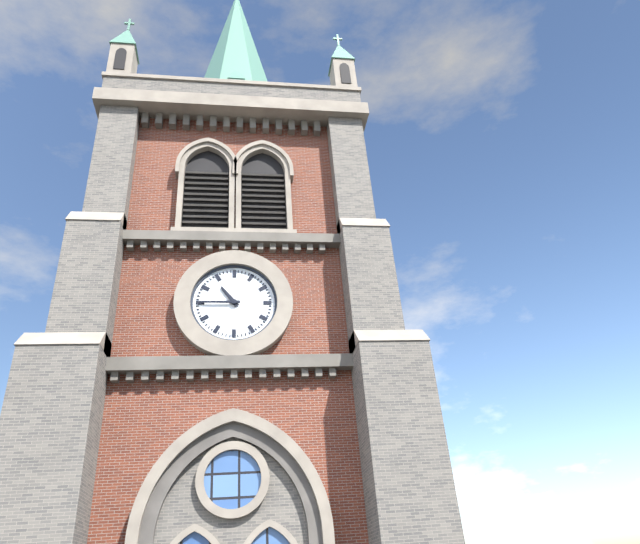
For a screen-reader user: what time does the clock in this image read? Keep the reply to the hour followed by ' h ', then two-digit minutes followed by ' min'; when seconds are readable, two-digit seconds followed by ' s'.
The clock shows 10 h 45 min
